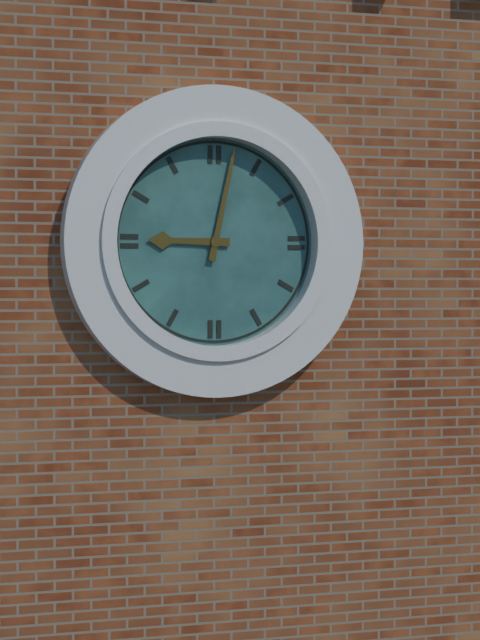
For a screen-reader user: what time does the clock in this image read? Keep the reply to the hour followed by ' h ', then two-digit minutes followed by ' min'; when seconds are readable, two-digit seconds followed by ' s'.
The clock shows 9 h 02 min
